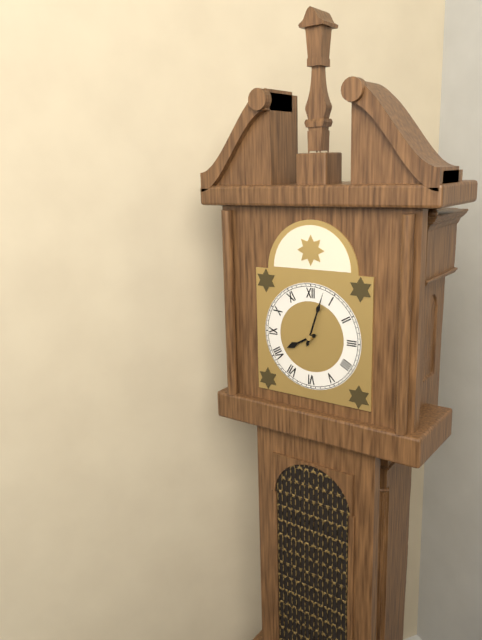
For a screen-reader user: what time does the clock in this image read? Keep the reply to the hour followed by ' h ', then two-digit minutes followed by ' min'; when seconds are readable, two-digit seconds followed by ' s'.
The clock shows 8 h 03 min
